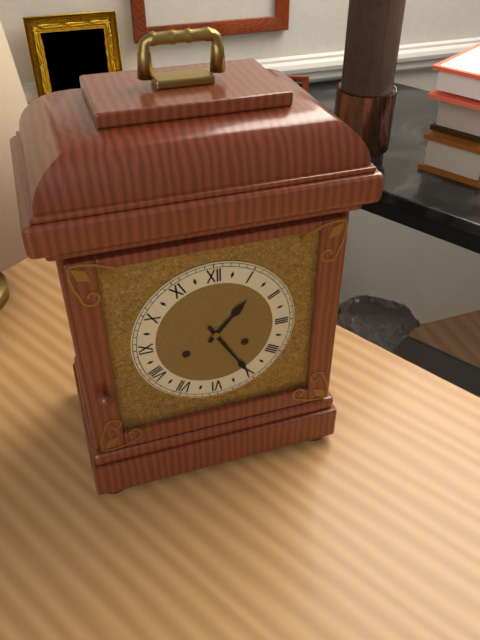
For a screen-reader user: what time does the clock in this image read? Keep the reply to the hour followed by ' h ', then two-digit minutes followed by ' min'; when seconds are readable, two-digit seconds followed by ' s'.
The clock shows 1 h 25 min
